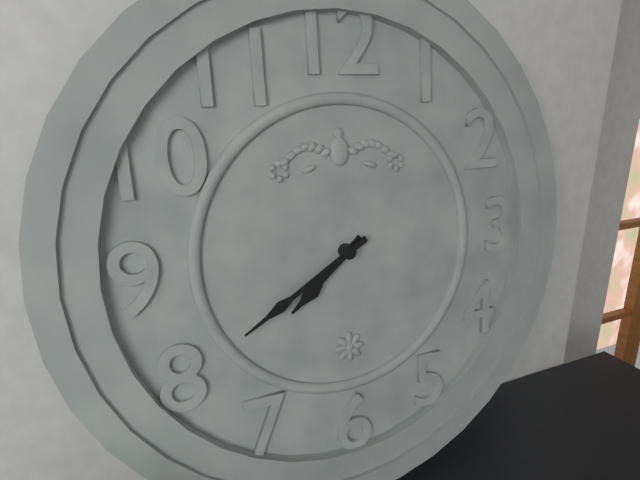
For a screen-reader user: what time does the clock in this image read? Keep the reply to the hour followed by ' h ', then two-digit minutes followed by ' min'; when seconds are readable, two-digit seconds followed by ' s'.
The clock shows 7 h 40 min
